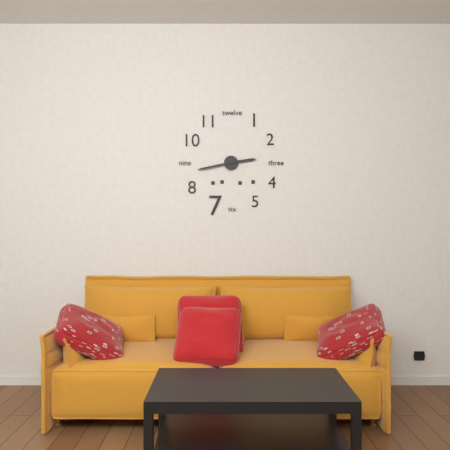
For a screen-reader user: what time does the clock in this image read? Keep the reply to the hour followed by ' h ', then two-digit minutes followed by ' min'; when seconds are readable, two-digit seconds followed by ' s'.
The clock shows 2 h 43 min
